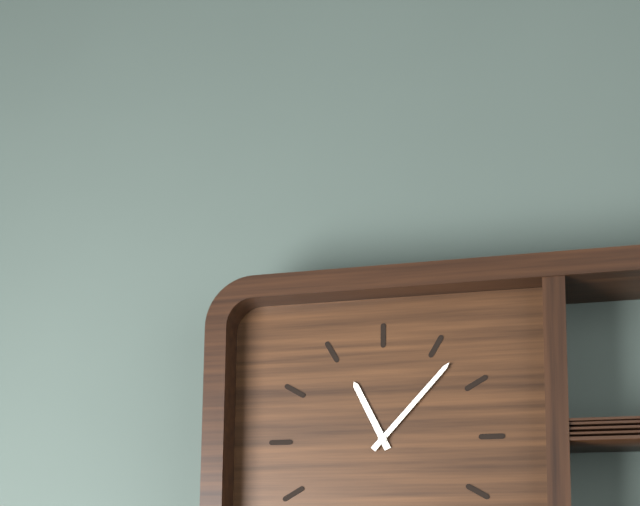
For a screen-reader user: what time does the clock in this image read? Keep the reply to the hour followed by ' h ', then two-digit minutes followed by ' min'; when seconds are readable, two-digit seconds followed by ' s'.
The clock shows 11 h 07 min
